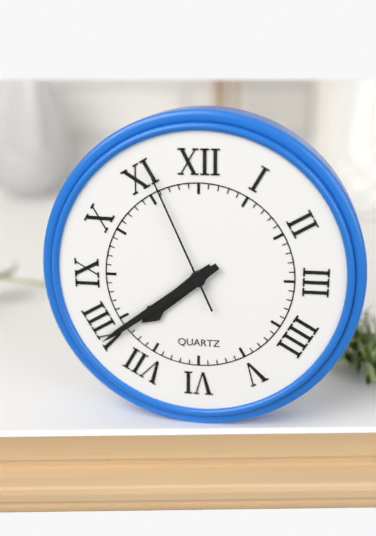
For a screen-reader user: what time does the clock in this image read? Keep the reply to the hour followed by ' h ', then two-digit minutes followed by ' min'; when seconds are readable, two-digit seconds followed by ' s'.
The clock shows 7 h 39 min 56 s
